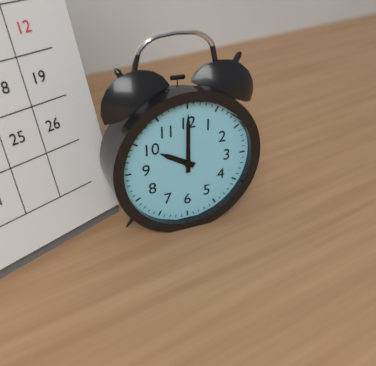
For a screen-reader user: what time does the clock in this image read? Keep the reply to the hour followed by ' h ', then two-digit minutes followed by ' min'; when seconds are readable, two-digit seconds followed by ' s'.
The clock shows 10 h 00 min
